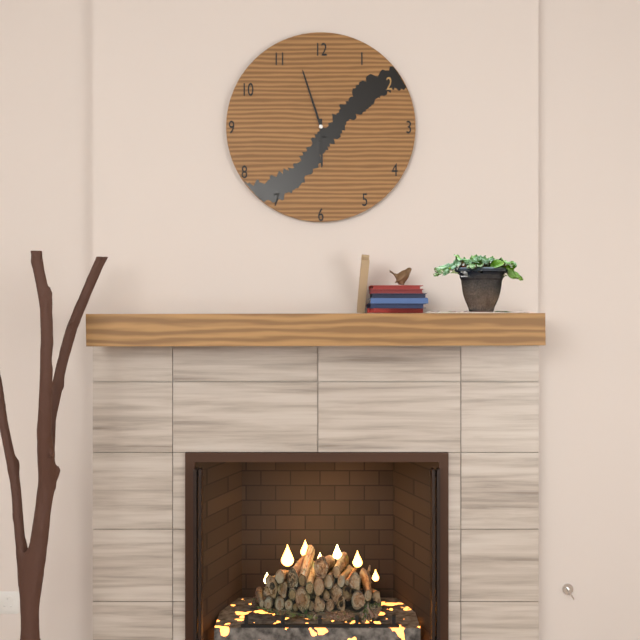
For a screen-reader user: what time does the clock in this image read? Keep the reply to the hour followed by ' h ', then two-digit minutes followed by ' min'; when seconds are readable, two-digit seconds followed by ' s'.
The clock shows 5 h 57 min
